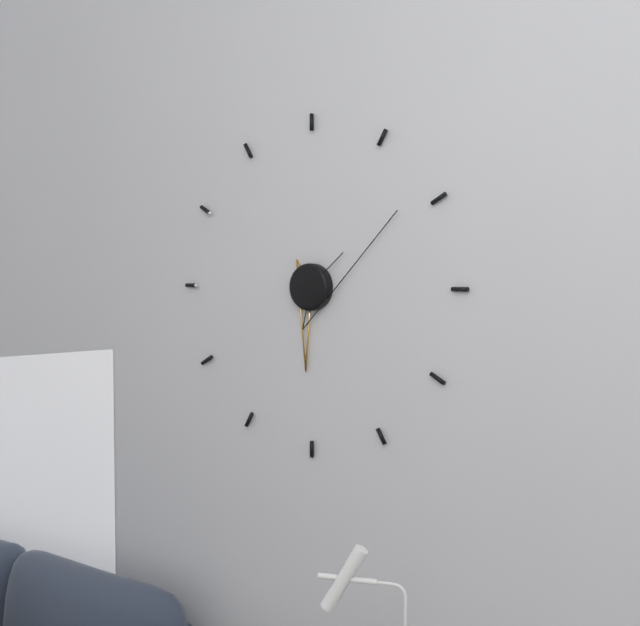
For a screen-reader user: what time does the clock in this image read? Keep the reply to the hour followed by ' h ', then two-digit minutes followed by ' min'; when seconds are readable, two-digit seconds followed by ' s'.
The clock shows 6 h 09 min
